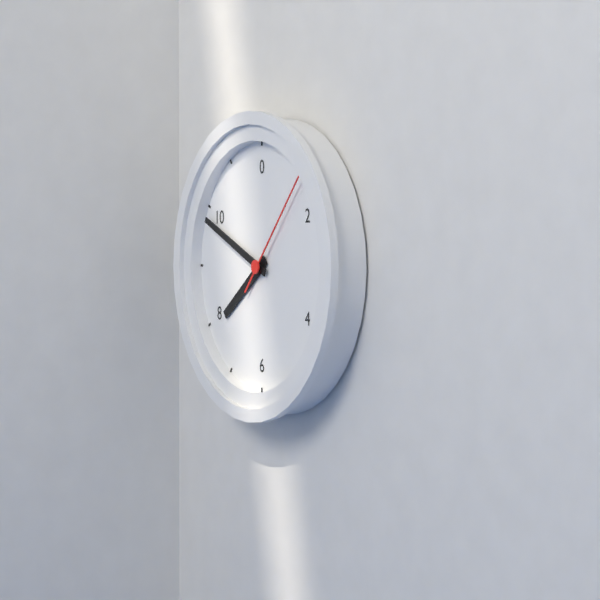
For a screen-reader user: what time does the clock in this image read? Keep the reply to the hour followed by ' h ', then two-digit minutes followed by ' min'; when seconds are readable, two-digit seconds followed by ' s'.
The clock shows 7 h 49 min 07 s
